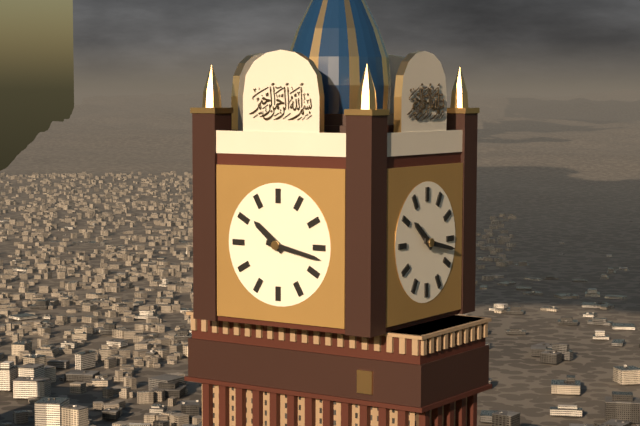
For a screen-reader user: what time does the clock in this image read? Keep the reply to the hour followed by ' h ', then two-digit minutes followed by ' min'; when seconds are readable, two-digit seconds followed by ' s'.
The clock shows 10 h 17 min
